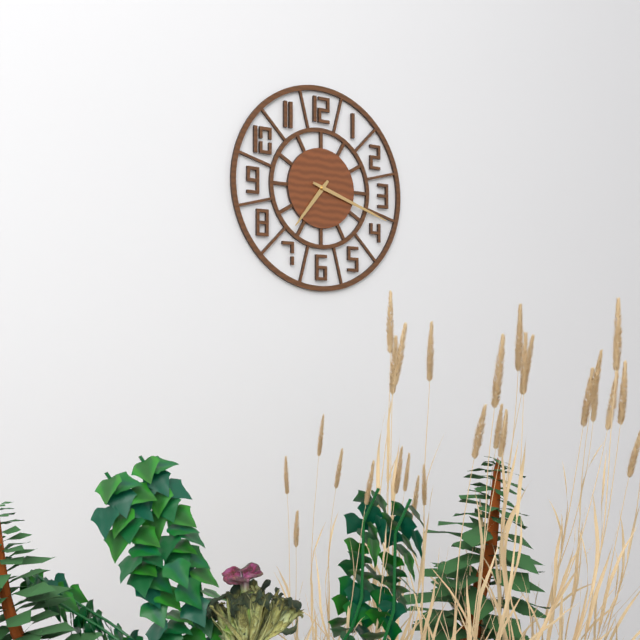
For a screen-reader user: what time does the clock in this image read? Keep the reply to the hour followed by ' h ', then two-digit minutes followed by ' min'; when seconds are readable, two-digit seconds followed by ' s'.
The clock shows 7 h 18 min
